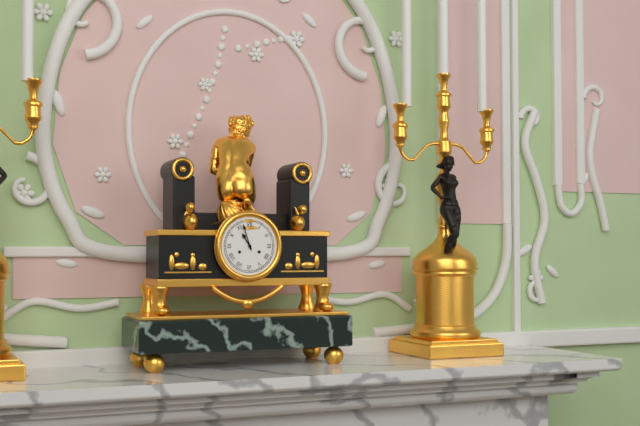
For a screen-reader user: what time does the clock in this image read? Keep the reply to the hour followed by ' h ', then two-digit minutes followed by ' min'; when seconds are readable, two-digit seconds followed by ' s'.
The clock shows 10 h 57 min
